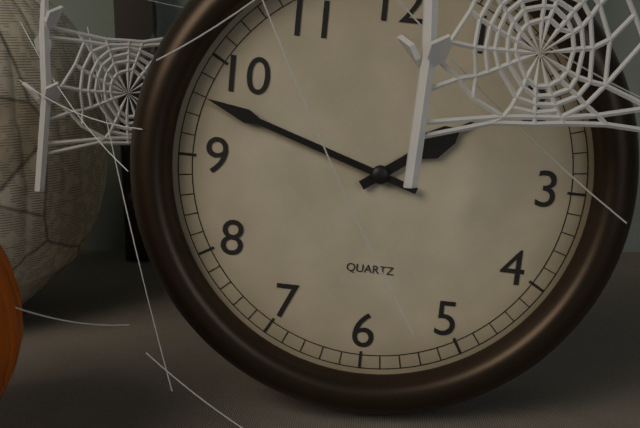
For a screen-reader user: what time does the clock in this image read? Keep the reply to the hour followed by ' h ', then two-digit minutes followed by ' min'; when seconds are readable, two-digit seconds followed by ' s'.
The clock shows 1 h 48 min
